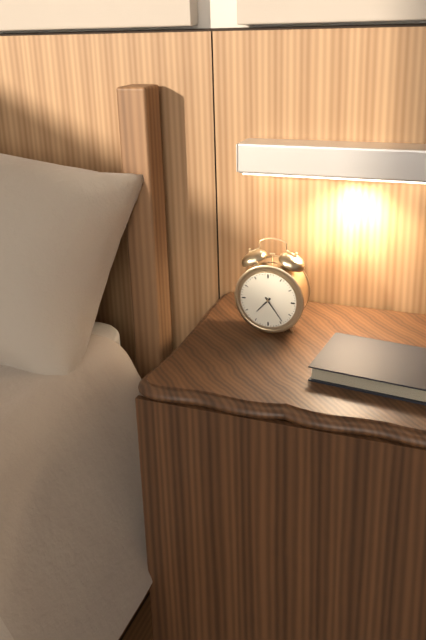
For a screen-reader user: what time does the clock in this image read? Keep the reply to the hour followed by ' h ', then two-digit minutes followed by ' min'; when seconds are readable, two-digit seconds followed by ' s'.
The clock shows 7 h 24 min
